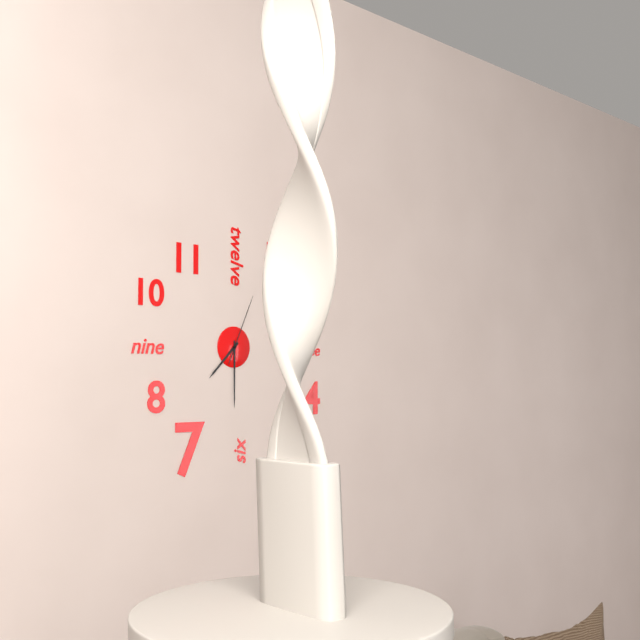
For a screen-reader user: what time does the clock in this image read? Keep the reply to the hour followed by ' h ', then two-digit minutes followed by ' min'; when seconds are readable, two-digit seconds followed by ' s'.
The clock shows 7 h 30 min 04 s
